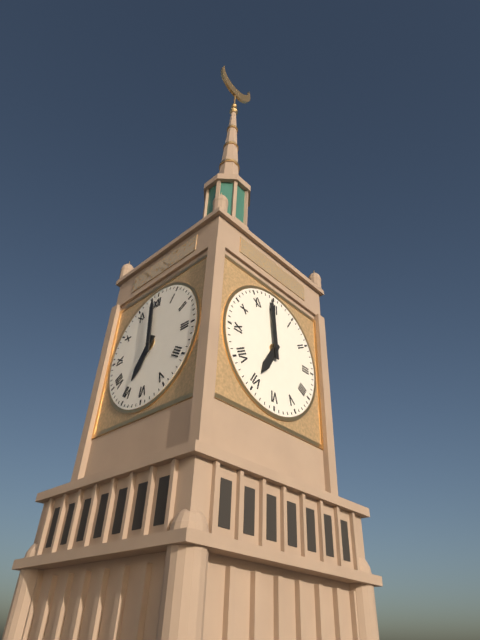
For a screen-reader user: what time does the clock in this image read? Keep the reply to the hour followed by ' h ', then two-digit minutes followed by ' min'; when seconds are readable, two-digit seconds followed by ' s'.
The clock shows 6 h 59 min
